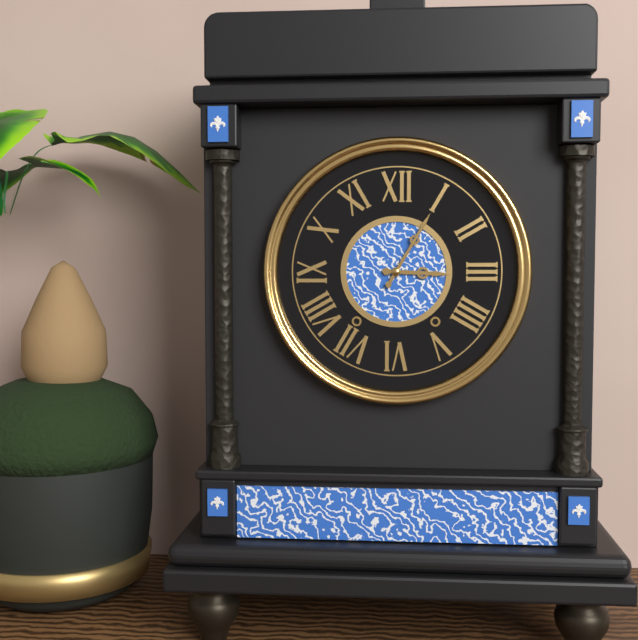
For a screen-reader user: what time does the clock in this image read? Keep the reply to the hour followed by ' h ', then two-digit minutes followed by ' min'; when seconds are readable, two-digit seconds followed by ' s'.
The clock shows 3 h 05 min
